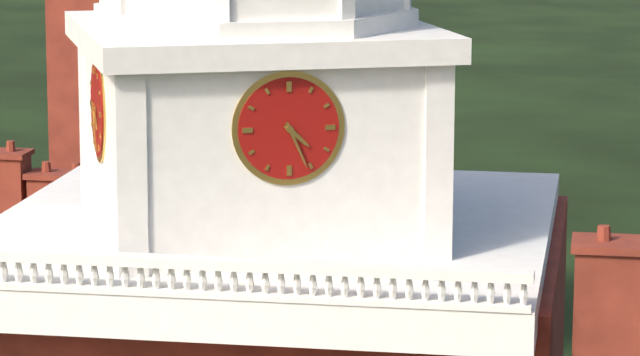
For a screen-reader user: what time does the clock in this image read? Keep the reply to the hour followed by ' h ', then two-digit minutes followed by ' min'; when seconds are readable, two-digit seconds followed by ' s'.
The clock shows 4 h 26 min
